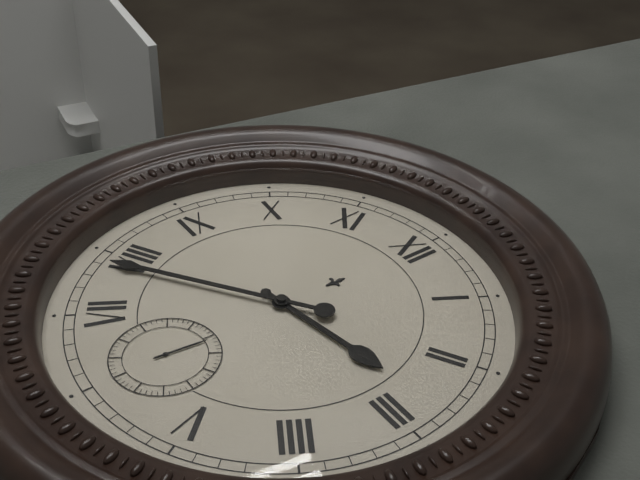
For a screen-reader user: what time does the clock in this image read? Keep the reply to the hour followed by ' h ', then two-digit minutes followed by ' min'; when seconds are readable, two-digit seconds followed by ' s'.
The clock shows 2 h 39 min 01 s
